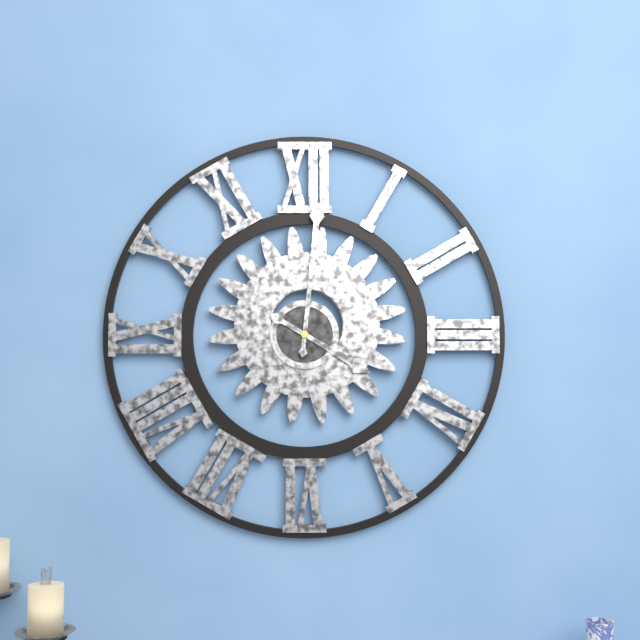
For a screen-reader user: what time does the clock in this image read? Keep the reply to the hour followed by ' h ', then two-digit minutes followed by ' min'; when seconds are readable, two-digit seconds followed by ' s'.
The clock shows 4 h 01 min
